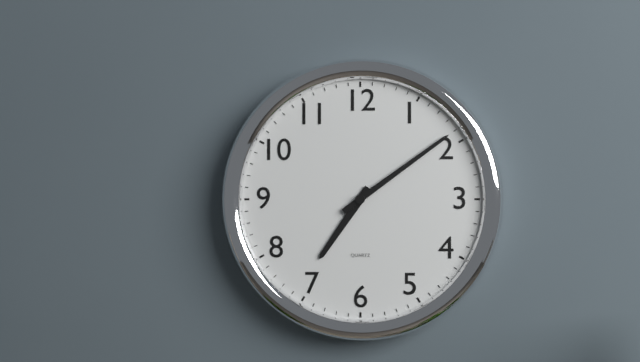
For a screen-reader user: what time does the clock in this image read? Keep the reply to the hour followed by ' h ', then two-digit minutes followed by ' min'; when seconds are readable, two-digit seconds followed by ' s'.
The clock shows 7 h 09 min
